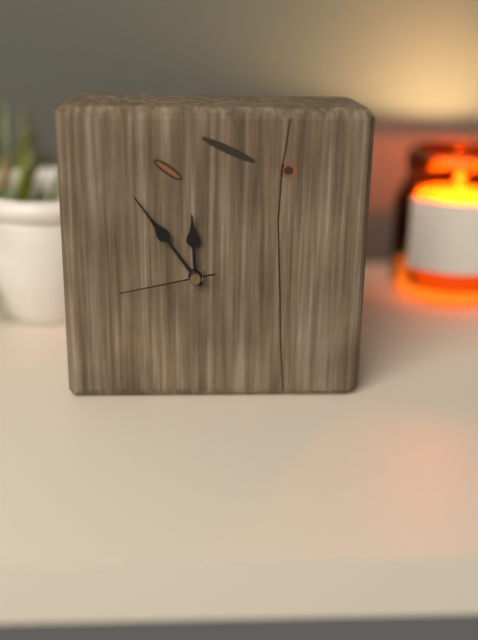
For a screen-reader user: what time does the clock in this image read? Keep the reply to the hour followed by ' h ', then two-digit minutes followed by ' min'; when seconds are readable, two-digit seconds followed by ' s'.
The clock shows 11 h 54 min 43 s
